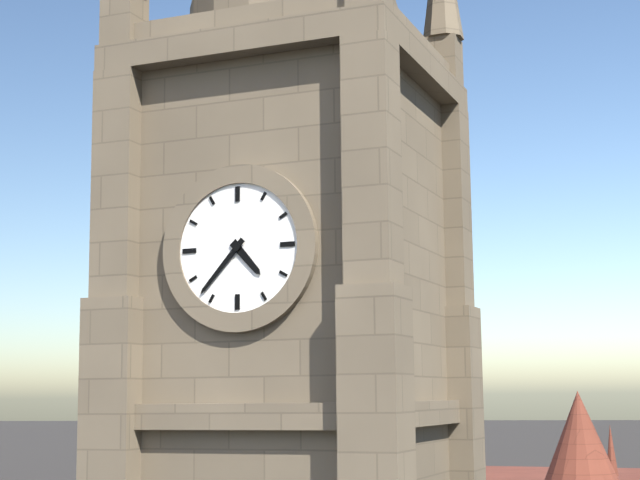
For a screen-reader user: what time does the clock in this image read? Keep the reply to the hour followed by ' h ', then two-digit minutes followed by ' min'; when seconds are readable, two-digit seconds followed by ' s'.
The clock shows 4 h 37 min
